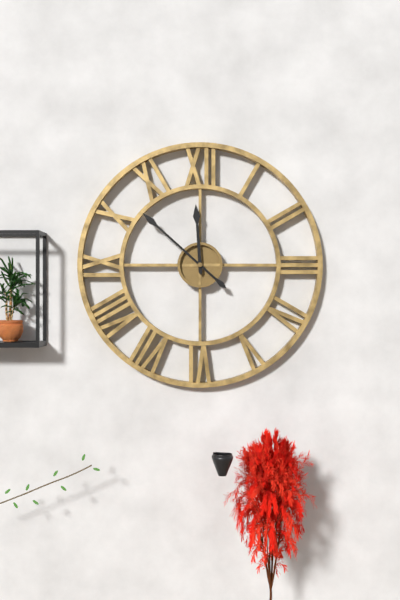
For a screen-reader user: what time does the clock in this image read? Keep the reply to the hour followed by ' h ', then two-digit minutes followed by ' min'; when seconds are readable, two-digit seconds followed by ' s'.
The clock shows 11 h 52 min
